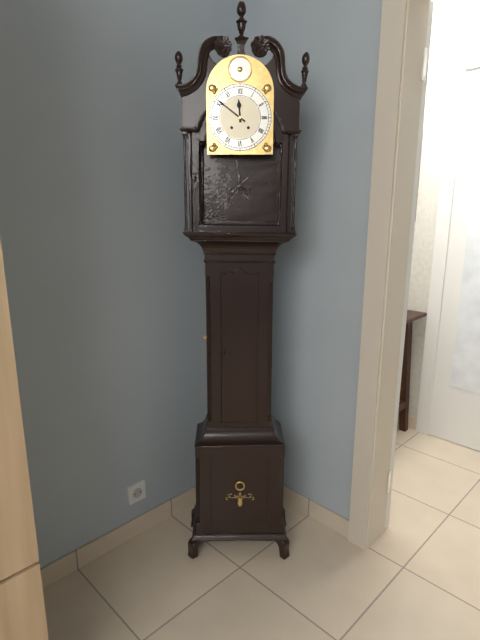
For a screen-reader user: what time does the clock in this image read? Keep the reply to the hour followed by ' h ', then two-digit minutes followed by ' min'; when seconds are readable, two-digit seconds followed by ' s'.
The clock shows 11 h 51 min
